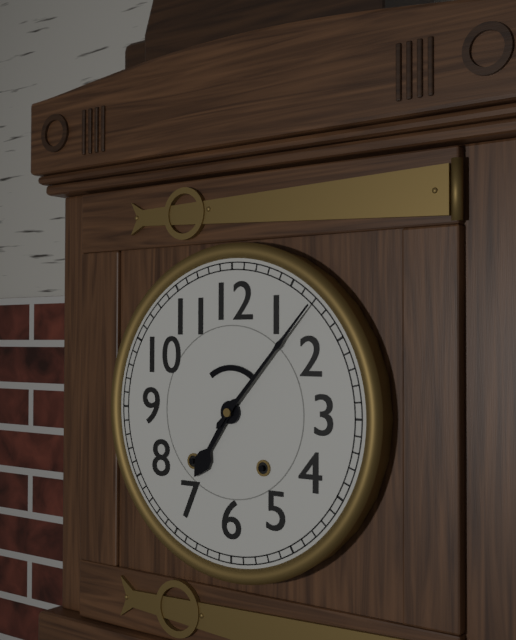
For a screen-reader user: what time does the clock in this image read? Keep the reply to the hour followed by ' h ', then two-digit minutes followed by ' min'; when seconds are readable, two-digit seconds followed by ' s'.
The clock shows 7 h 07 min
